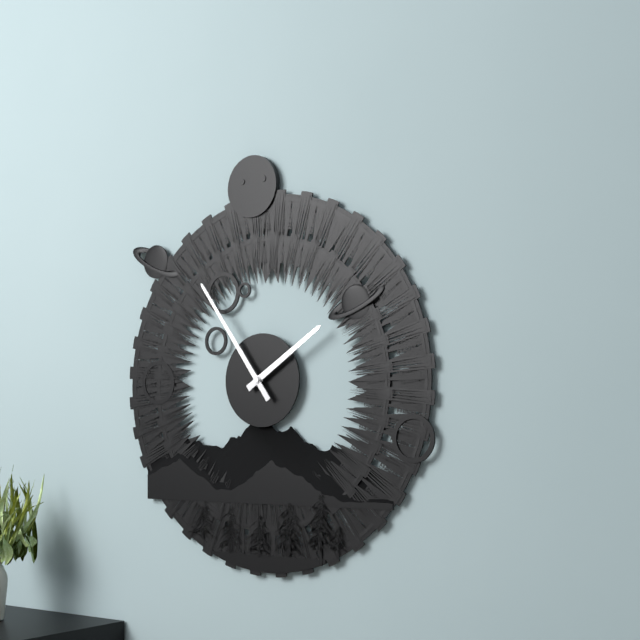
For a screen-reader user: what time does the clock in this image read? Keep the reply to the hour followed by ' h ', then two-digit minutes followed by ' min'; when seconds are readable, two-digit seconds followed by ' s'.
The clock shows 1 h 54 min
